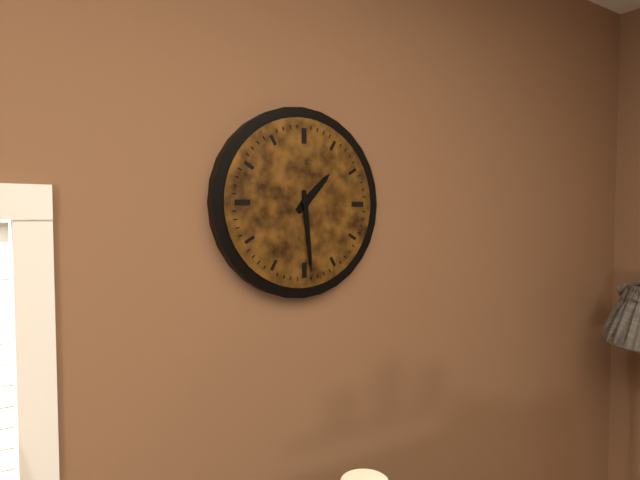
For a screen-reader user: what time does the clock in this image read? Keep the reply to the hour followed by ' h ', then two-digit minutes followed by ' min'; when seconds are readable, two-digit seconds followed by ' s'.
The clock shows 1 h 29 min
